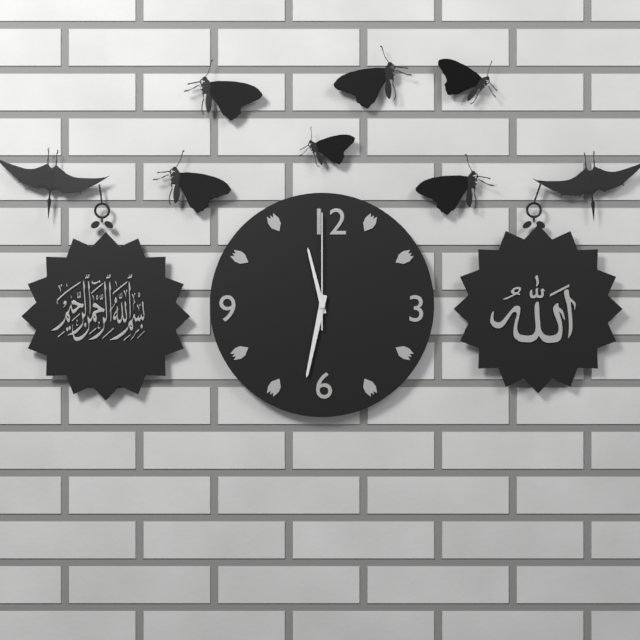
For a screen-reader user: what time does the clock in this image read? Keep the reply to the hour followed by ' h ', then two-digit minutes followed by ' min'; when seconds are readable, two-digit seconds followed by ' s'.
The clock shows 11 h 32 min 00 s
